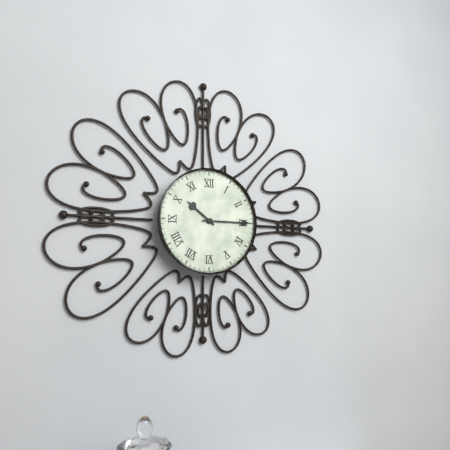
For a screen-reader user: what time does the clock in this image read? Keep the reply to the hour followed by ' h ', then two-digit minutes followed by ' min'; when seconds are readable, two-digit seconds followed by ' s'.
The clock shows 10 h 15 min
